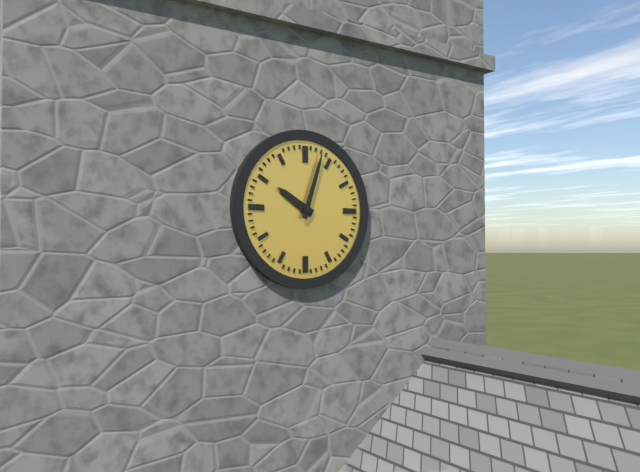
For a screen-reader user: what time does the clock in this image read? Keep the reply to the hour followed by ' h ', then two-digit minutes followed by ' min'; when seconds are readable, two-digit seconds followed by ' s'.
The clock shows 10 h 03 min
